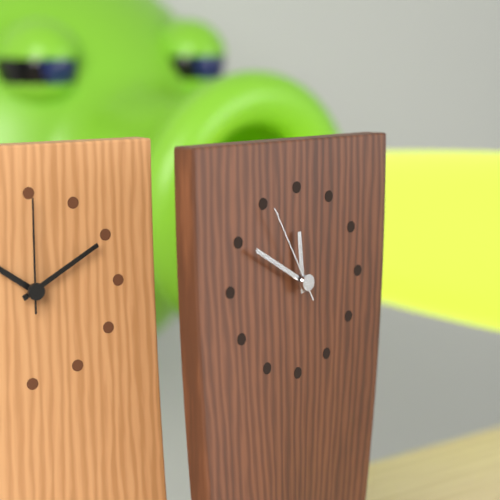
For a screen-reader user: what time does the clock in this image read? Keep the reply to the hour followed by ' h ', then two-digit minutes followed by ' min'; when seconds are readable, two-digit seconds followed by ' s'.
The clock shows 11 h 50 min 55 s
